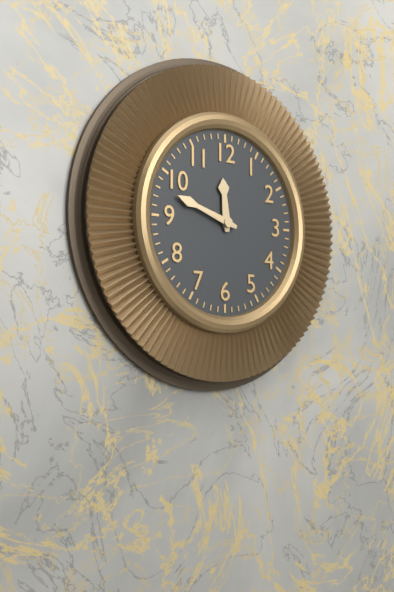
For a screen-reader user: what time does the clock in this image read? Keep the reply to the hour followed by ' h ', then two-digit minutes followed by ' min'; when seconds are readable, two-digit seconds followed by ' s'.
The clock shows 11 h 48 min
